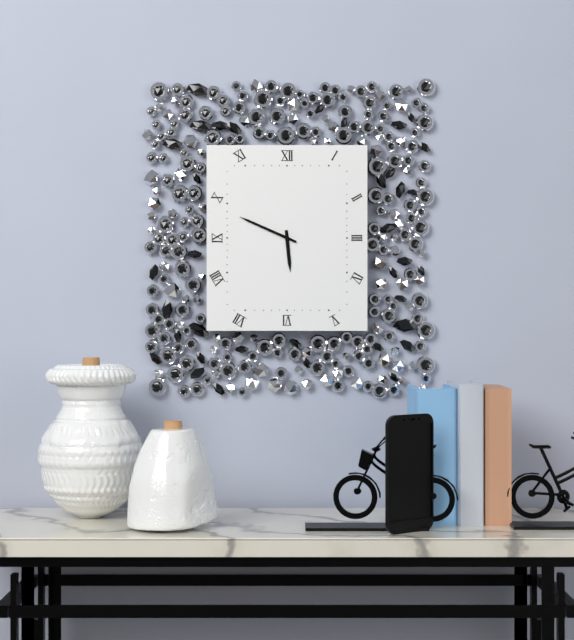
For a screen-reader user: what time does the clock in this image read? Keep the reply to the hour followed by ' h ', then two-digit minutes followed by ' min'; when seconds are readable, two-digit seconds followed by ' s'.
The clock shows 5 h 49 min
